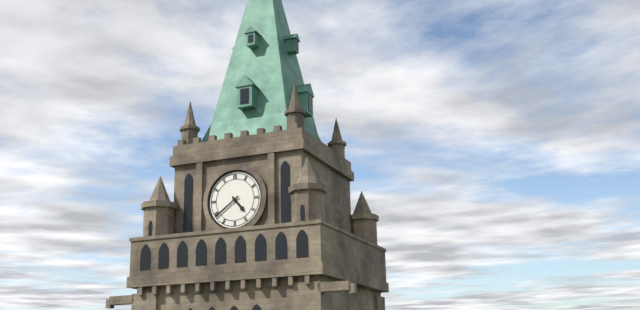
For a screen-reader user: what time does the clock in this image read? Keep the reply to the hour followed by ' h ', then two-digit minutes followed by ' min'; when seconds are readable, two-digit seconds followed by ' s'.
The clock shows 4 h 39 min
